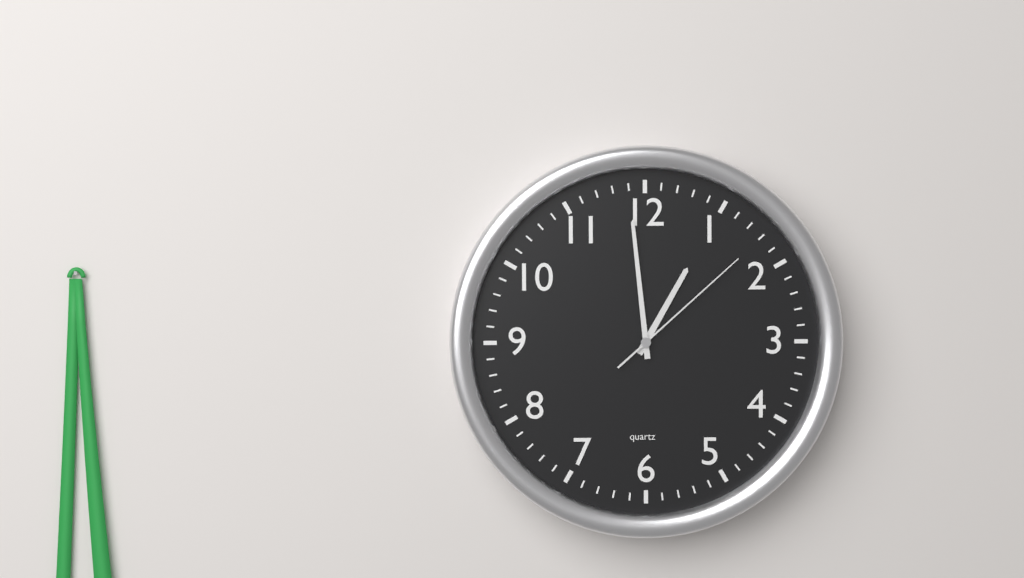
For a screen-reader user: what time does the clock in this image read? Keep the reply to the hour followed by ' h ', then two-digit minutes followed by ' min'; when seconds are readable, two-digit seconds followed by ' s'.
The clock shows 12 h 59 min 08 s
